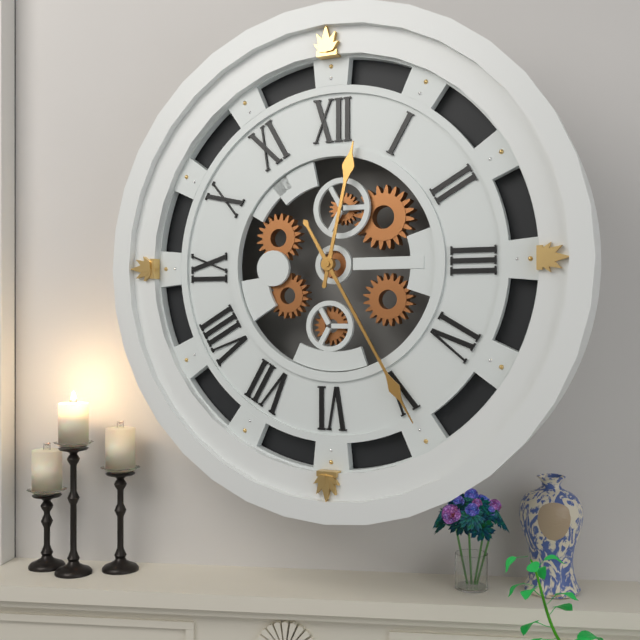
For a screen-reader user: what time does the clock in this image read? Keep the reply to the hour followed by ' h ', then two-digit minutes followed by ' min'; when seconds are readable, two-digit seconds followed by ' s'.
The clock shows 12 h 25 min
